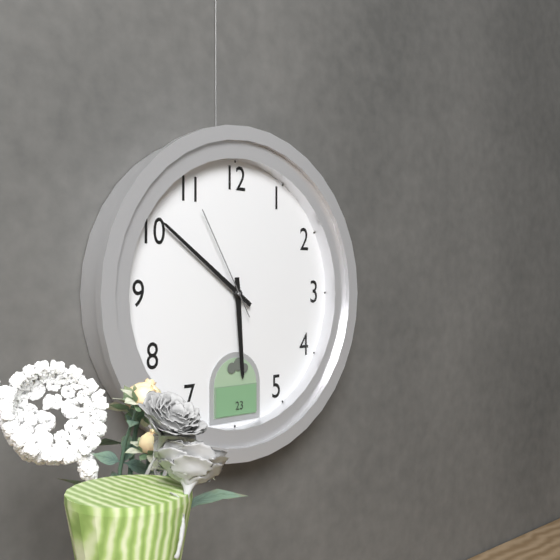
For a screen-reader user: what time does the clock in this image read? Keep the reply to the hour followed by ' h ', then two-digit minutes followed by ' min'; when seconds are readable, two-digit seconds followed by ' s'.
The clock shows 5 h 51 min 55 s
